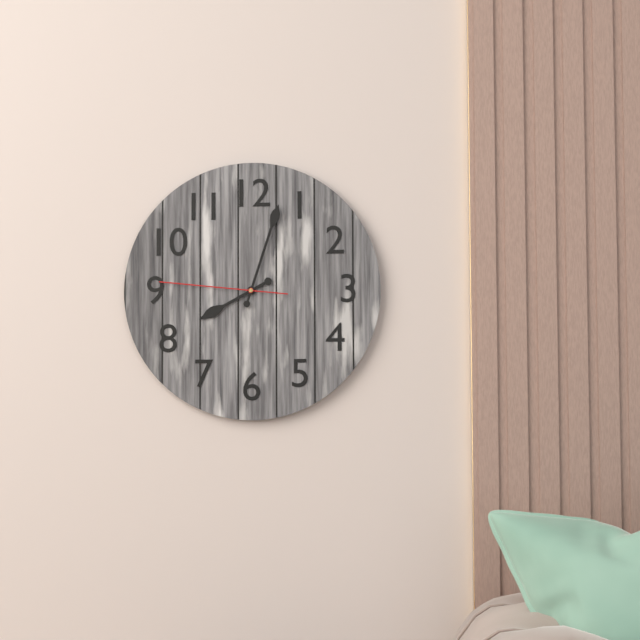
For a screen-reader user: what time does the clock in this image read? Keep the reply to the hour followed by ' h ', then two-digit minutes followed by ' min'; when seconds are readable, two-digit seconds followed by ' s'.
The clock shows 8 h 03 min 46 s
